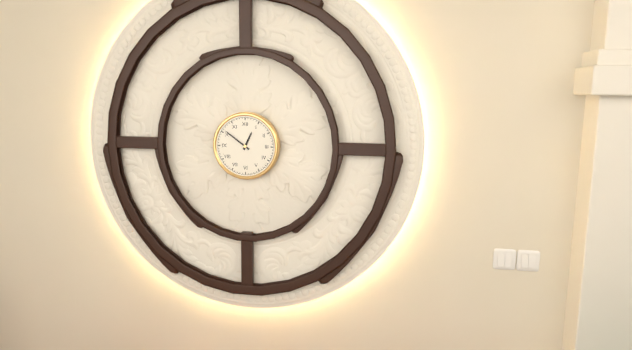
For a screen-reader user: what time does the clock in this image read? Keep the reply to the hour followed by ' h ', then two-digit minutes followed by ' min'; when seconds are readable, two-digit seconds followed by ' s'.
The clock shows 12 h 51 min
